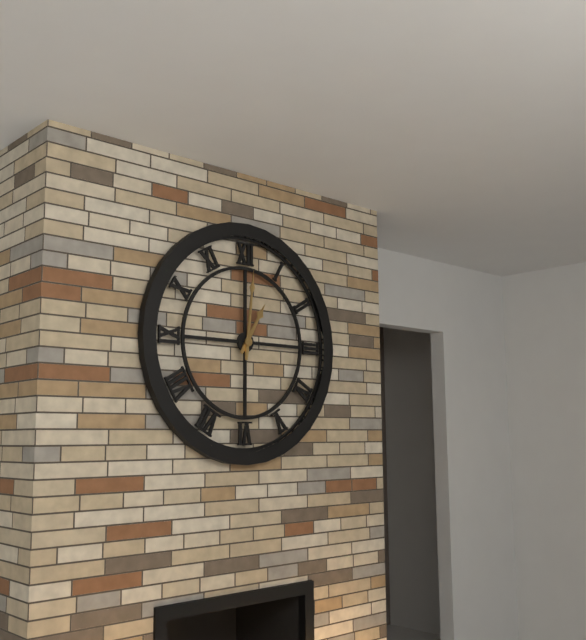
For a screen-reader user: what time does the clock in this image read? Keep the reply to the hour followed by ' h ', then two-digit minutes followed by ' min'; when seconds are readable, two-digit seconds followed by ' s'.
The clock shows 1 h 01 min
